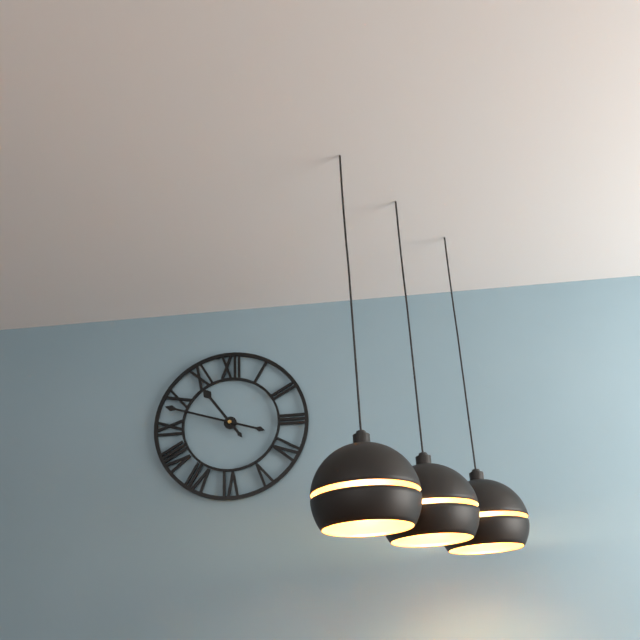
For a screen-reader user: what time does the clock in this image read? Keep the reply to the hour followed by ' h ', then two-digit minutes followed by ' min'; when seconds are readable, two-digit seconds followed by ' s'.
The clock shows 10 h 48 min
